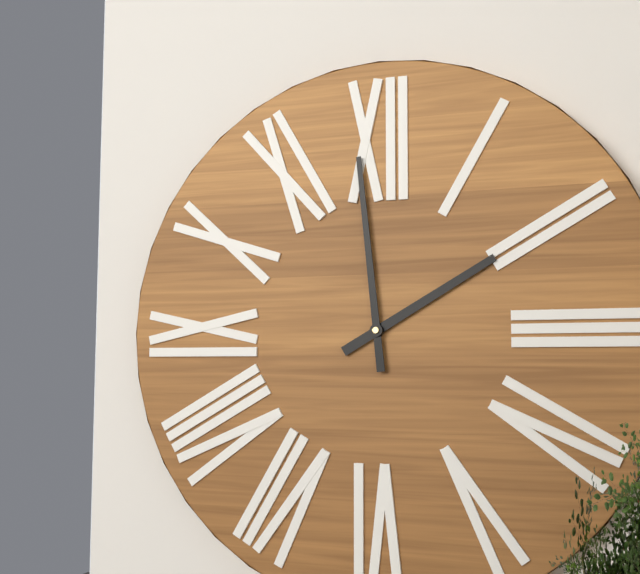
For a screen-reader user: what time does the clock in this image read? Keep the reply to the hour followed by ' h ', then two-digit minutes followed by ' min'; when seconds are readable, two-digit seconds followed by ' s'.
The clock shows 1 h 59 min
